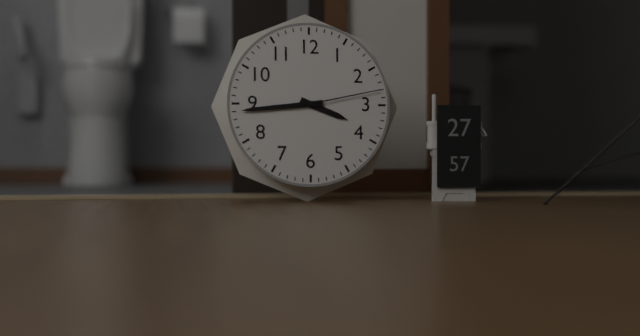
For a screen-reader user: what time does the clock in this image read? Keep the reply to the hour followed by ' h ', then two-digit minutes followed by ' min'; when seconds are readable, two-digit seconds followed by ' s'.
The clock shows 3 h 44 min 13 s
